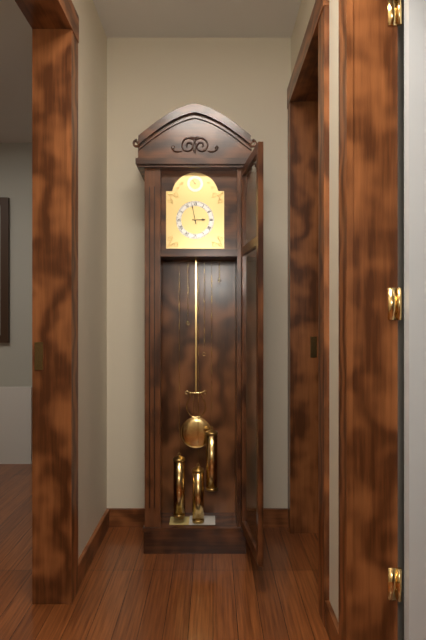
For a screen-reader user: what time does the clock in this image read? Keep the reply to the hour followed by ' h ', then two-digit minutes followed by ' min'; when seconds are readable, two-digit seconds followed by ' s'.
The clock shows 2 h 58 min
